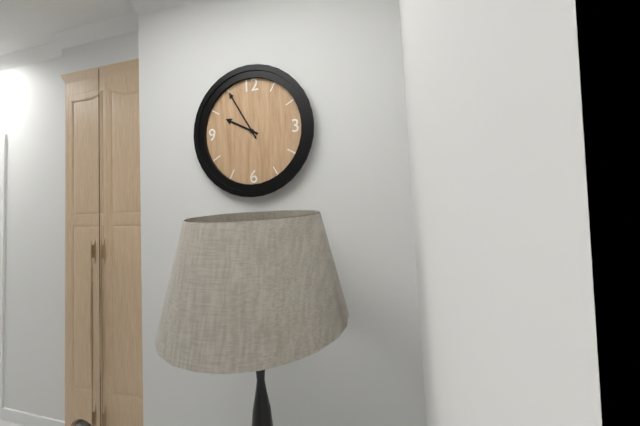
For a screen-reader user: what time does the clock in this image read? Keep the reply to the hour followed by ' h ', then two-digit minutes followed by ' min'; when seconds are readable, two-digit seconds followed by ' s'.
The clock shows 9 h 55 min
